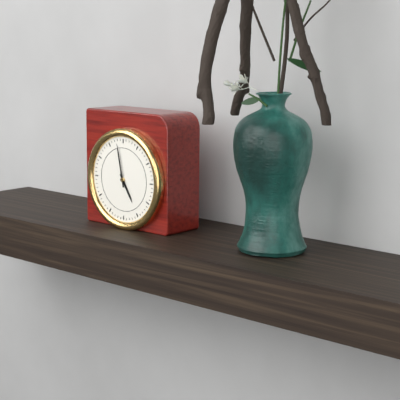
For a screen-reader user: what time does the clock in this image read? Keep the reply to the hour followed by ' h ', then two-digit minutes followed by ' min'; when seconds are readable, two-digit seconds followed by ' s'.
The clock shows 4 h 58 min
